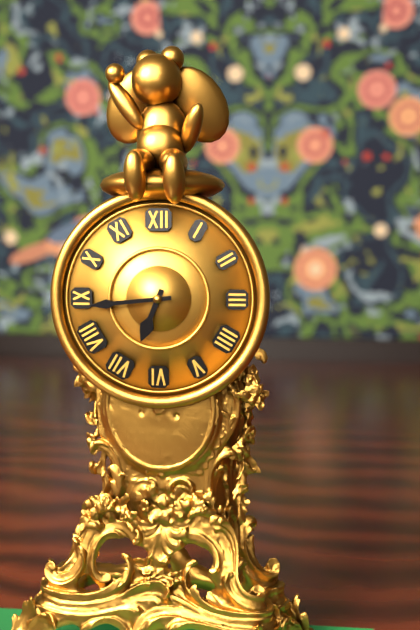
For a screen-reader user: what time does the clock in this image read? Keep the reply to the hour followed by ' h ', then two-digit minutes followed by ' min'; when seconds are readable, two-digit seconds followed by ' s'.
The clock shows 6 h 44 min
